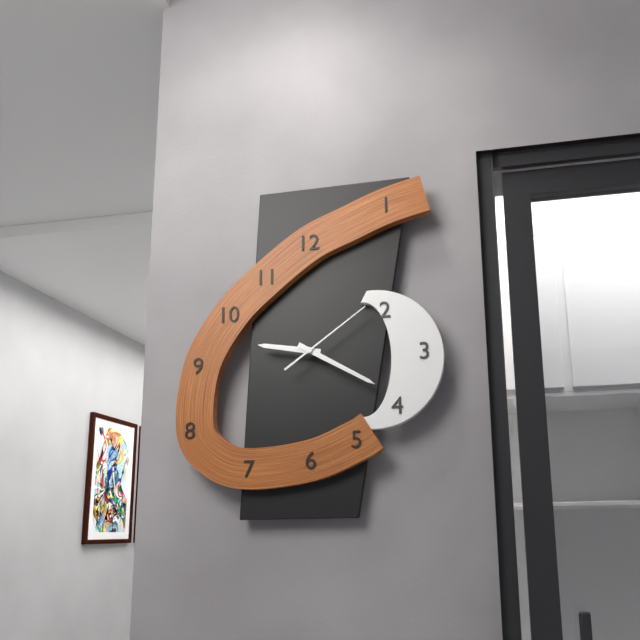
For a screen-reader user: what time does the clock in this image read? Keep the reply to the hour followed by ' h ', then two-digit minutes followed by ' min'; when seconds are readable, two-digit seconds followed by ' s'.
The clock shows 9 h 20 min 09 s
